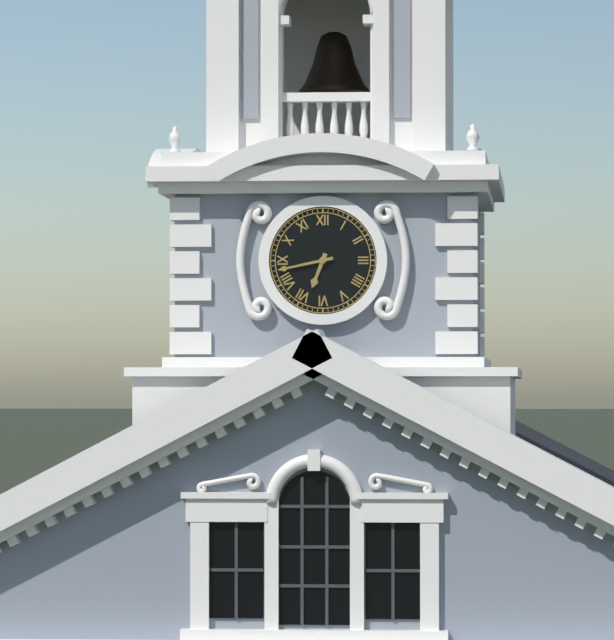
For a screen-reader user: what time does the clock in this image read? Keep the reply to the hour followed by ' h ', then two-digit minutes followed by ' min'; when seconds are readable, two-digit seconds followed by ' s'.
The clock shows 6 h 43 min
